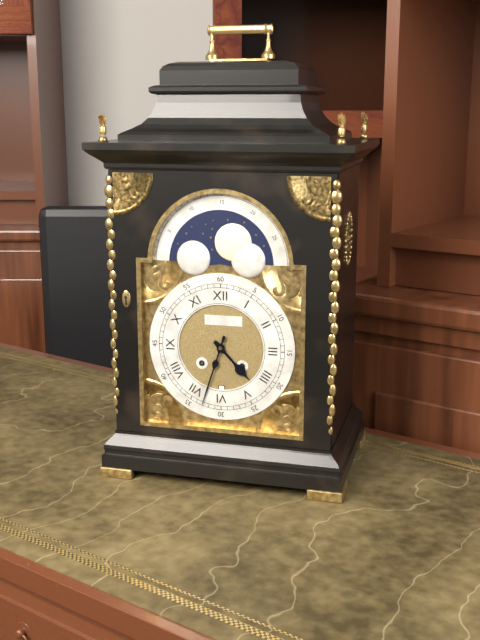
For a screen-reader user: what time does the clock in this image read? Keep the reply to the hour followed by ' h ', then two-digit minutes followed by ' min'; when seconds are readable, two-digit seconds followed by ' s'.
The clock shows 4 h 33 min
